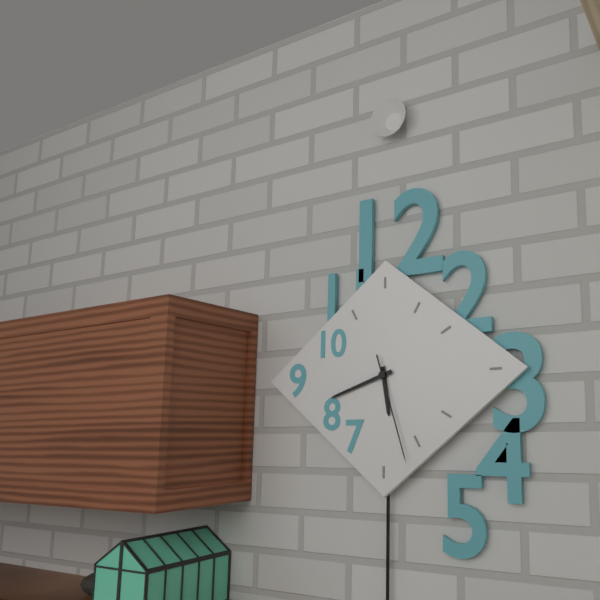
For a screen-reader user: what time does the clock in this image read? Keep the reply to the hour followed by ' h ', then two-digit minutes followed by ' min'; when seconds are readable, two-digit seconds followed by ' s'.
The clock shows 5 h 42 min 27 s
